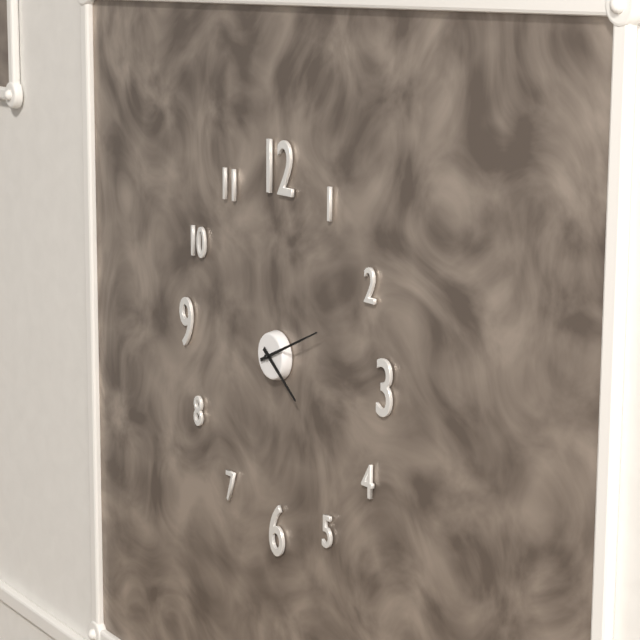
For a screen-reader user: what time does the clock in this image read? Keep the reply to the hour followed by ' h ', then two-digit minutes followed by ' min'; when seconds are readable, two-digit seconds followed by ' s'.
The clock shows 4 h 11 min
